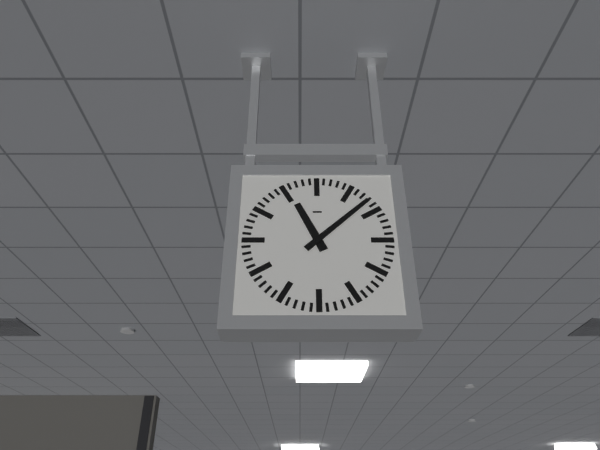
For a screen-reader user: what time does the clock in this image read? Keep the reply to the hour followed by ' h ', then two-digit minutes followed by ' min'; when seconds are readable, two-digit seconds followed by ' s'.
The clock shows 11 h 08 min
